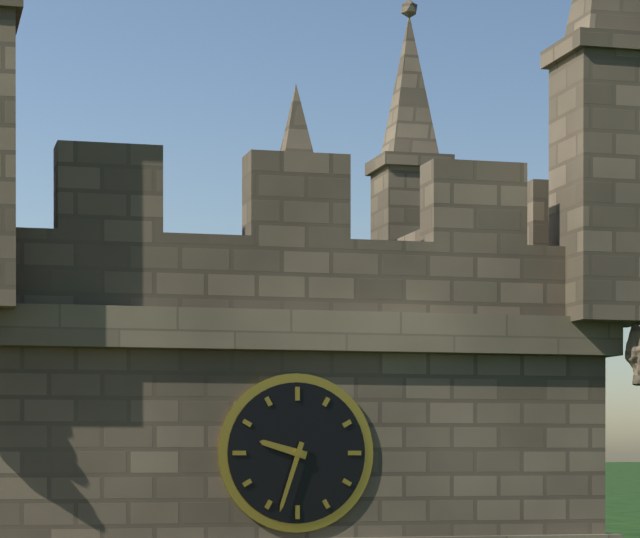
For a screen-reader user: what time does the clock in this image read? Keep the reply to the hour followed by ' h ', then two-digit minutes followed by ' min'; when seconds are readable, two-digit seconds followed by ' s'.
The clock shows 9 h 33 min
